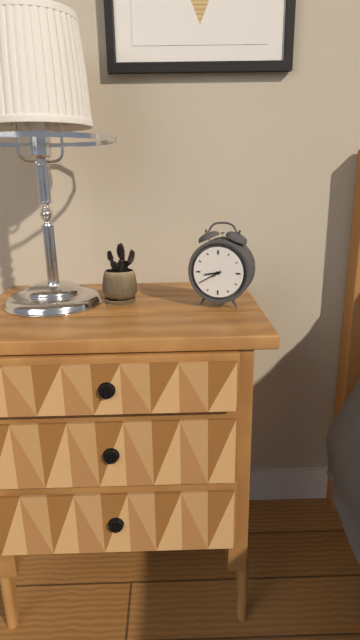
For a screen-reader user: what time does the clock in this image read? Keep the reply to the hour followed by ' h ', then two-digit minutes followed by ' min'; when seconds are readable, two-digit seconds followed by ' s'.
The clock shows 8 h 40 min
